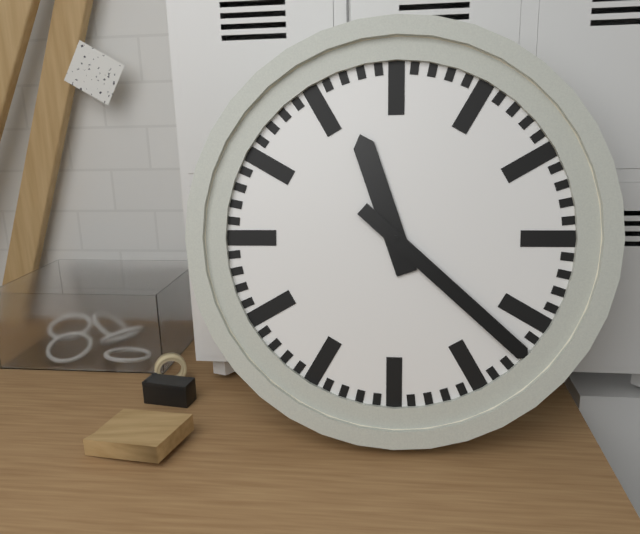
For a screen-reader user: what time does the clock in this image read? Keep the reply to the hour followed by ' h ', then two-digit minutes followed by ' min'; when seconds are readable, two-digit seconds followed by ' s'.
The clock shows 11 h 22 min
